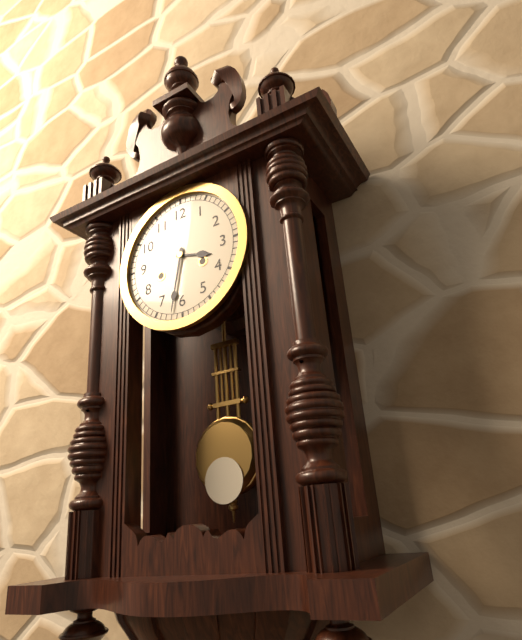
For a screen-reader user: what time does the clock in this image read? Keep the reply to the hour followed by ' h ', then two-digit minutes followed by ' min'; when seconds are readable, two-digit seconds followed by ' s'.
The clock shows 3 h 32 min
